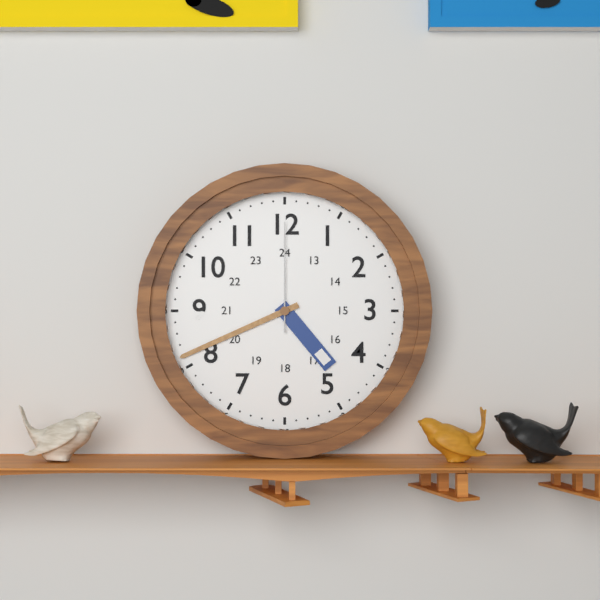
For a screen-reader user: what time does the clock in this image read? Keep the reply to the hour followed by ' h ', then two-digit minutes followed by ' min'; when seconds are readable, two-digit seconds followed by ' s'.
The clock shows 4 h 41 min 00 s
